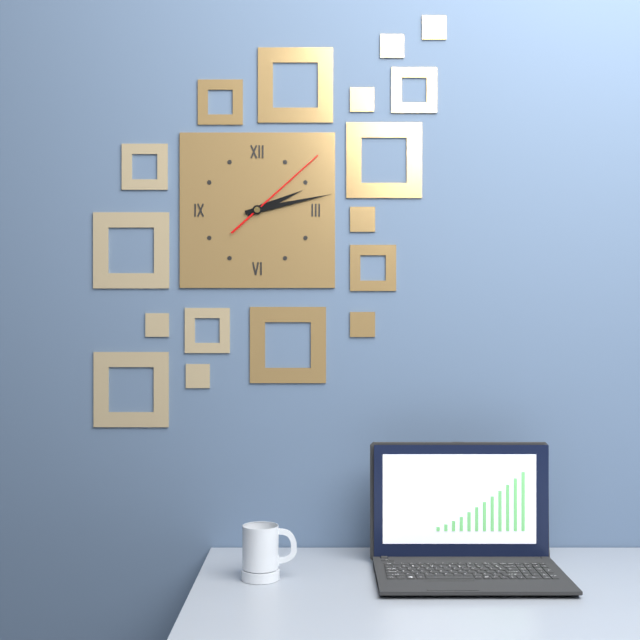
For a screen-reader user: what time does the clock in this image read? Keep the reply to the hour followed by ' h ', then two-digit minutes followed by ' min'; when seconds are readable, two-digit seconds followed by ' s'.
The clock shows 2 h 13 min 08 s
